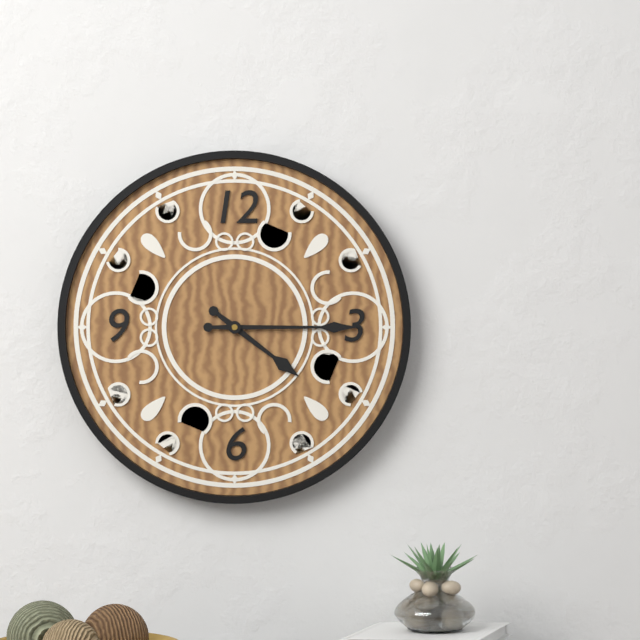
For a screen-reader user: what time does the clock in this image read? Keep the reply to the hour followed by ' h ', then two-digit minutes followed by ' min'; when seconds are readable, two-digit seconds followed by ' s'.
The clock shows 4 h 15 min
